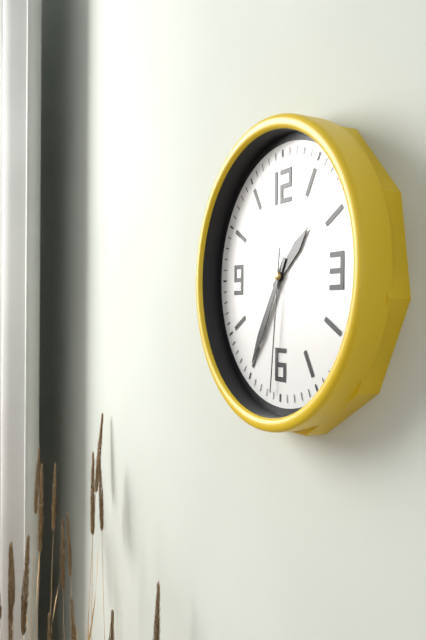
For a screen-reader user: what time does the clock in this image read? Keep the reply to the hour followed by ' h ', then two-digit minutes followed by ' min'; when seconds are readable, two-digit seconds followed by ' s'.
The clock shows 1 h 35 min 31 s
